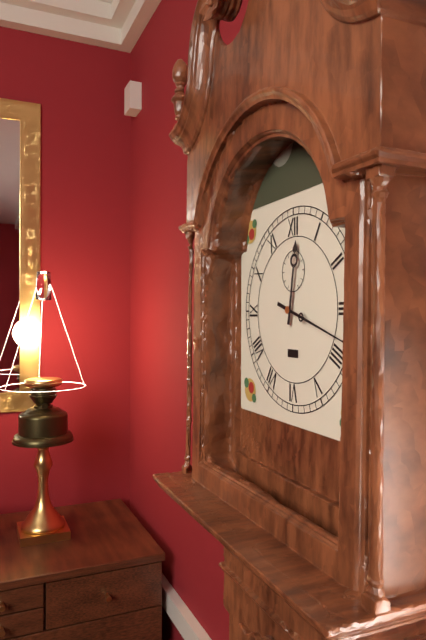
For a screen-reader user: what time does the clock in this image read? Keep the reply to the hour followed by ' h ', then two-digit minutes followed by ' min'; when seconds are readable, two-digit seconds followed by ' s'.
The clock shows 12 h 18 min
